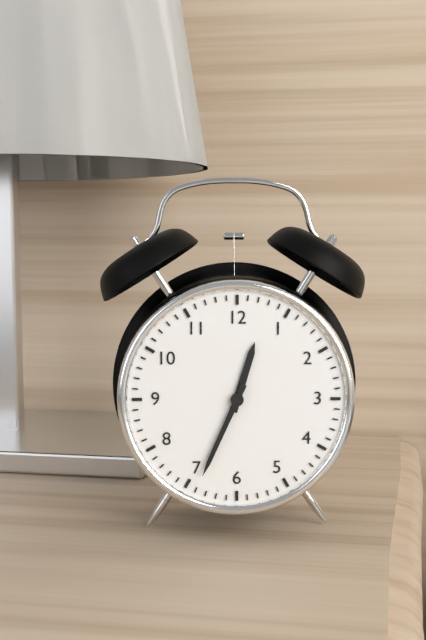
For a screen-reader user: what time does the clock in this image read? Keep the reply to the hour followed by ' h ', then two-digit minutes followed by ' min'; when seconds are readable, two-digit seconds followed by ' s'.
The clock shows 12 h 34 min
